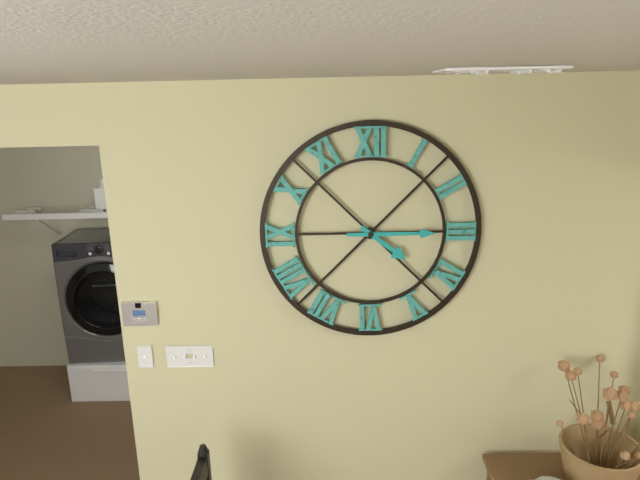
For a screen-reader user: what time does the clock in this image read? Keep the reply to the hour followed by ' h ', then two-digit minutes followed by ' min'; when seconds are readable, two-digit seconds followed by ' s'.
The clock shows 4 h 15 min
